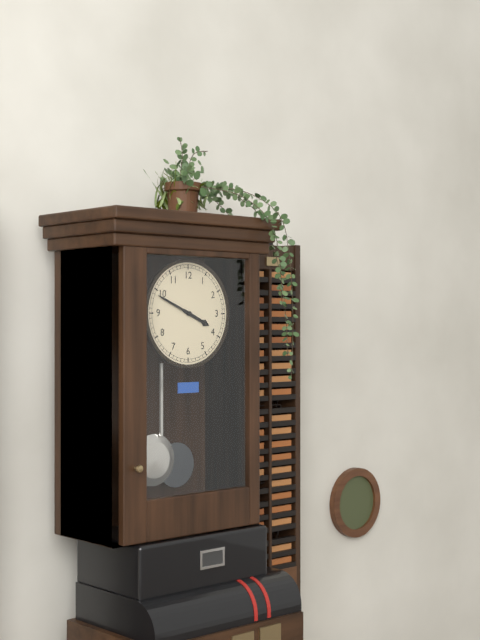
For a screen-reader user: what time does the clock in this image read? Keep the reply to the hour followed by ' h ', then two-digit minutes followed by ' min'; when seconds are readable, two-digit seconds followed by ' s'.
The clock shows 3 h 49 min
